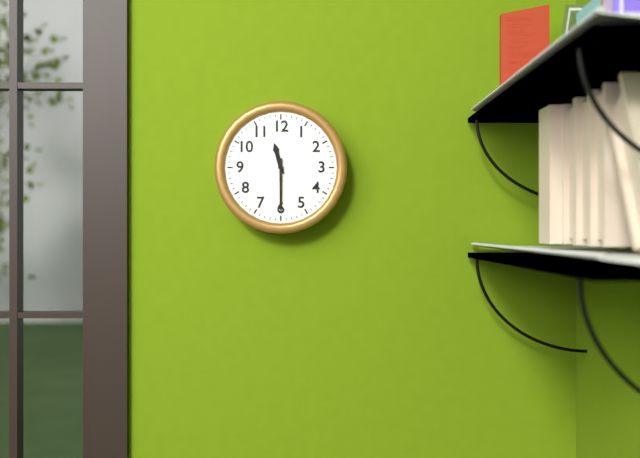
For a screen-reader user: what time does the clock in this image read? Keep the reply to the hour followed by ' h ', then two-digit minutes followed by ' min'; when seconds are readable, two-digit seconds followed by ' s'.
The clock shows 11 h 30 min
